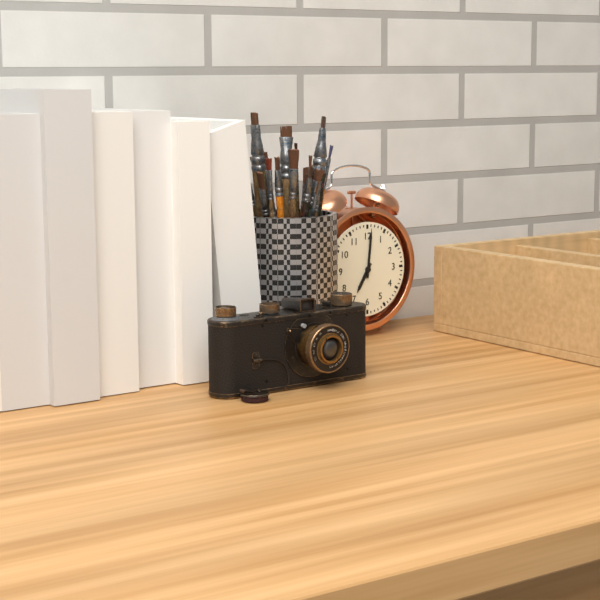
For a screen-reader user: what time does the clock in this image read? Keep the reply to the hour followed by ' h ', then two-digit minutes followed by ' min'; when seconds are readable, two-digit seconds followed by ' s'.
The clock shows 7 h 01 min
